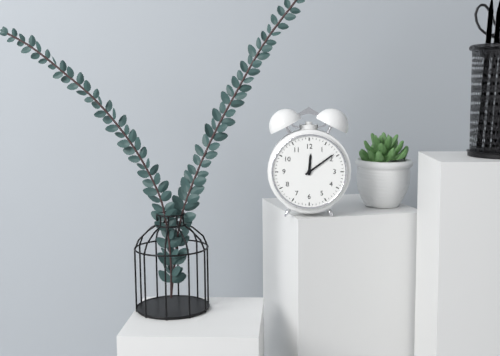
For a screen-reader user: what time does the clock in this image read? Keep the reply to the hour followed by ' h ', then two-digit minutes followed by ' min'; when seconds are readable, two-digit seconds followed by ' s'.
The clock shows 12 h 09 min
